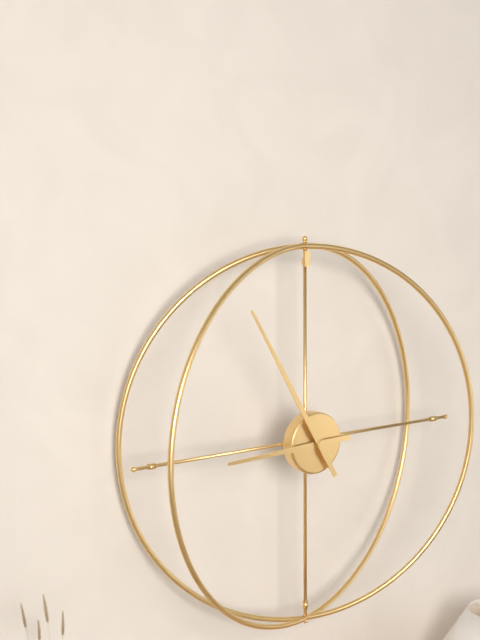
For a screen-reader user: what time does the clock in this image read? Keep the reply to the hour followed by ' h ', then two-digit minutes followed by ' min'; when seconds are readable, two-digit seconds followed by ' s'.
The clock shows 8 h 55 min
